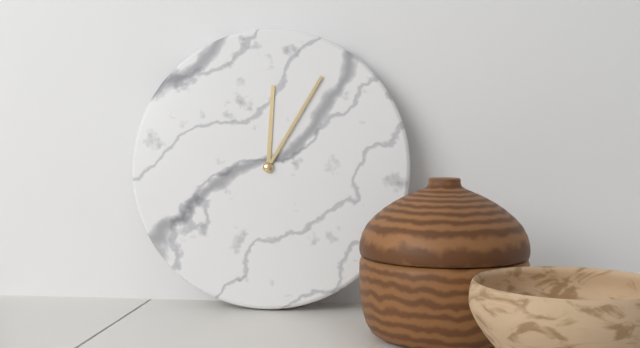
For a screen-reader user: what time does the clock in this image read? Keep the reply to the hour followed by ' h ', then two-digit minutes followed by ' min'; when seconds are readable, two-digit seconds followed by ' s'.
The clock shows 12 h 05 min
